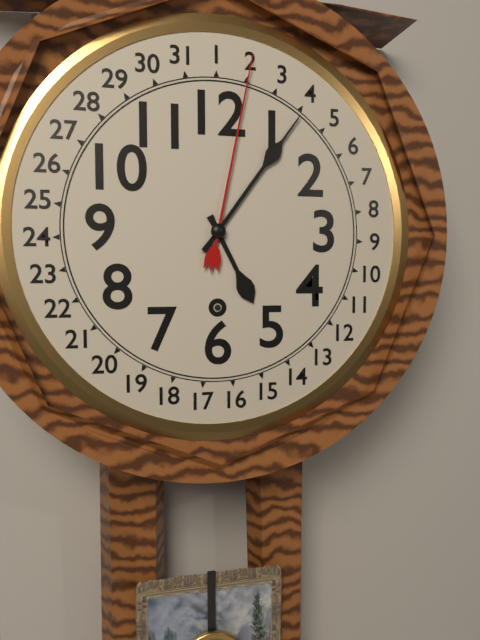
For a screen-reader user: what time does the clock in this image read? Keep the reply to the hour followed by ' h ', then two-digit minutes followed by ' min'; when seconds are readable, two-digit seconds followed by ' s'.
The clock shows 5 h 06 min
